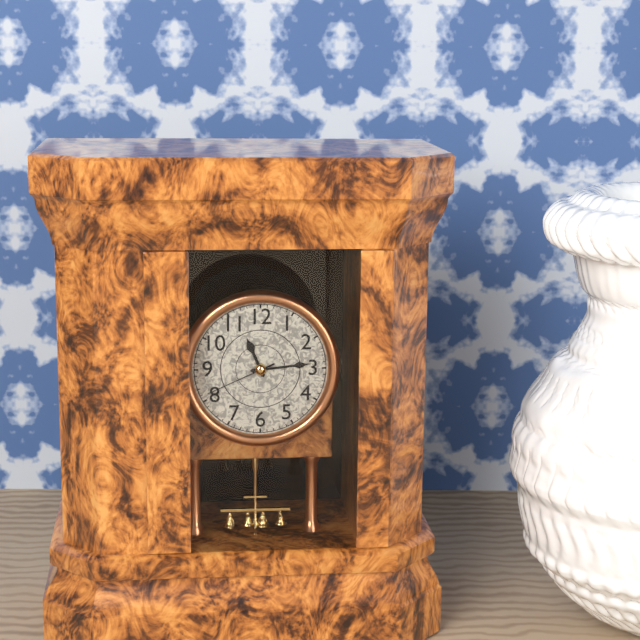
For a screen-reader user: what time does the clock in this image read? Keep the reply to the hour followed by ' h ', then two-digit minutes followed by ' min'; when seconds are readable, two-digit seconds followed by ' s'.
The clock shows 11 h 14 min 41 s
